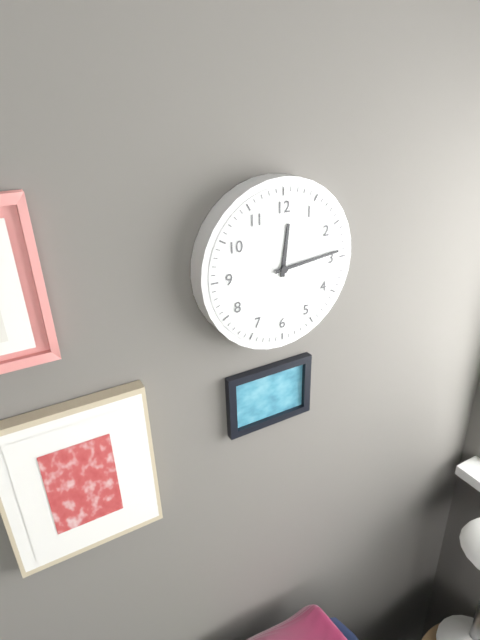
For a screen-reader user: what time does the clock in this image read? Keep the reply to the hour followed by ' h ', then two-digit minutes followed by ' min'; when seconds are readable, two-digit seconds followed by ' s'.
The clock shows 12 h 14 min
